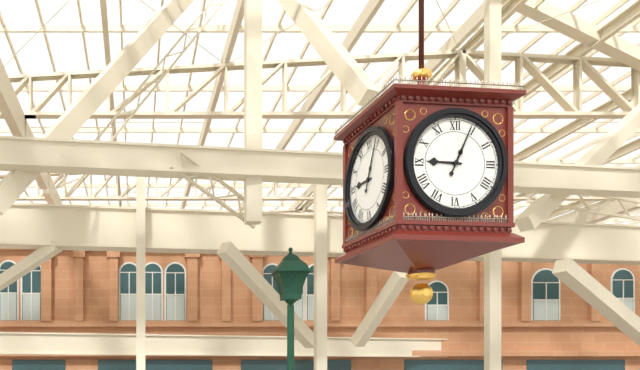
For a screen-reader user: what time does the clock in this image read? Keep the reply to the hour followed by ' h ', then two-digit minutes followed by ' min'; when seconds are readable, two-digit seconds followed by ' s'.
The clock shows 9 h 04 min
